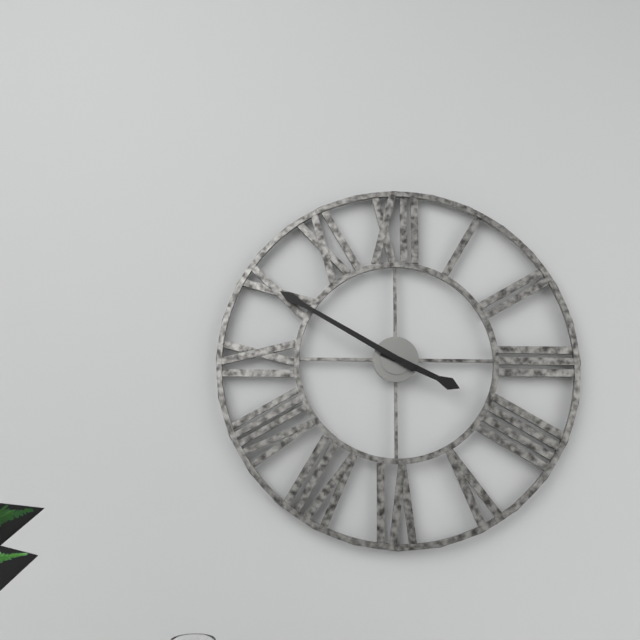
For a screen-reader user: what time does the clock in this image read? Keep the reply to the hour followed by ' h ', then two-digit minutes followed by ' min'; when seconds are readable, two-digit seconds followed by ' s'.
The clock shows 3 h 50 min
